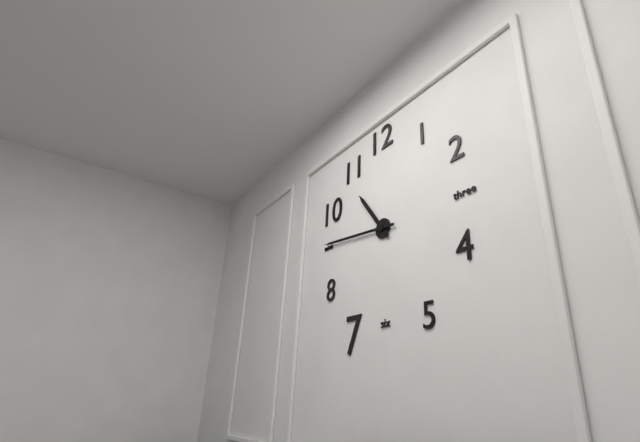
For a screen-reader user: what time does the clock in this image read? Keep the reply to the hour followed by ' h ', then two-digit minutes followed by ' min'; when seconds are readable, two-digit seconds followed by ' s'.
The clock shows 10 h 46 min
